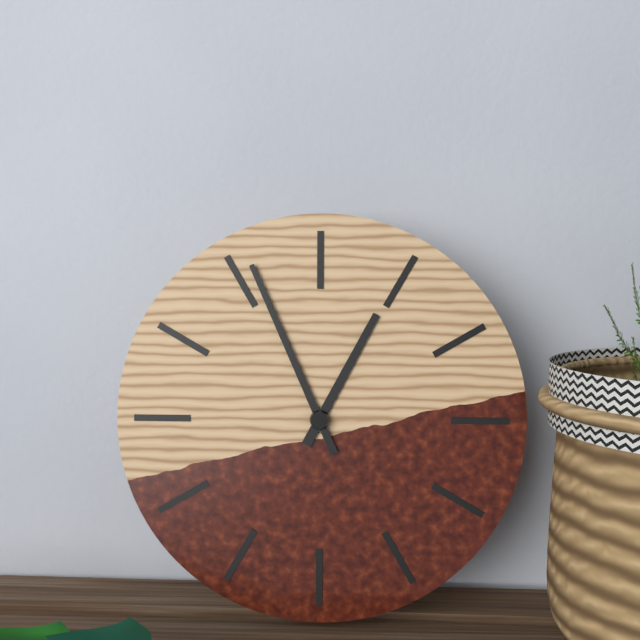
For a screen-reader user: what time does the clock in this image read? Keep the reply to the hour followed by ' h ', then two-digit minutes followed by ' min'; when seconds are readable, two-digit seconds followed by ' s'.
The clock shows 12 h 56 min
